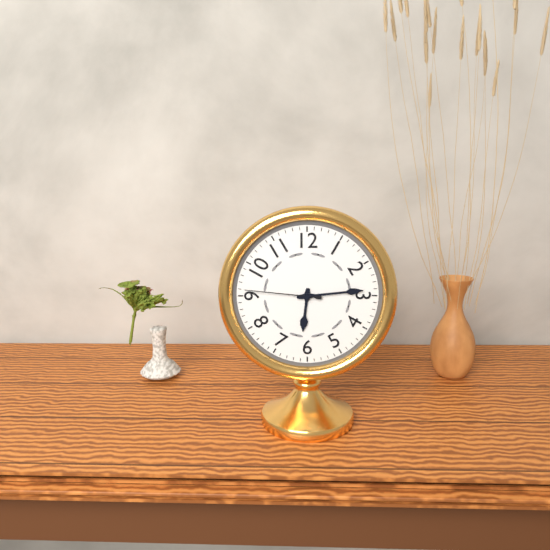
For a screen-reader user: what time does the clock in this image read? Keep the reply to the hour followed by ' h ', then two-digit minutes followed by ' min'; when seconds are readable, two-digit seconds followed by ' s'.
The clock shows 6 h 14 min 46 s
